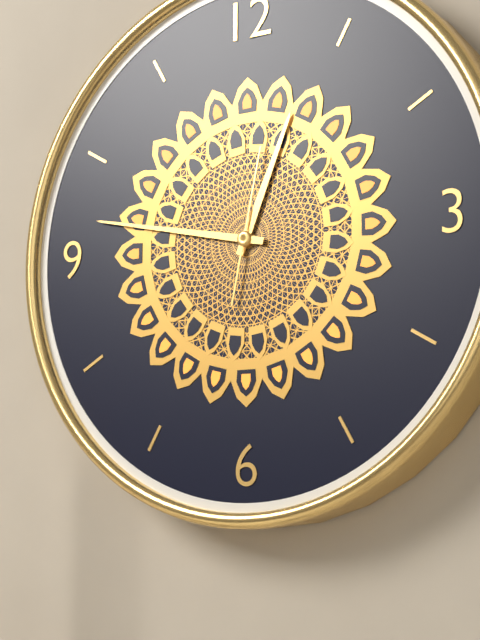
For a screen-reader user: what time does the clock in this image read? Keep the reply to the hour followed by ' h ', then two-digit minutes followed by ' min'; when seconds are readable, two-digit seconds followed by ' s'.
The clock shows 12 h 47 min 02 s
